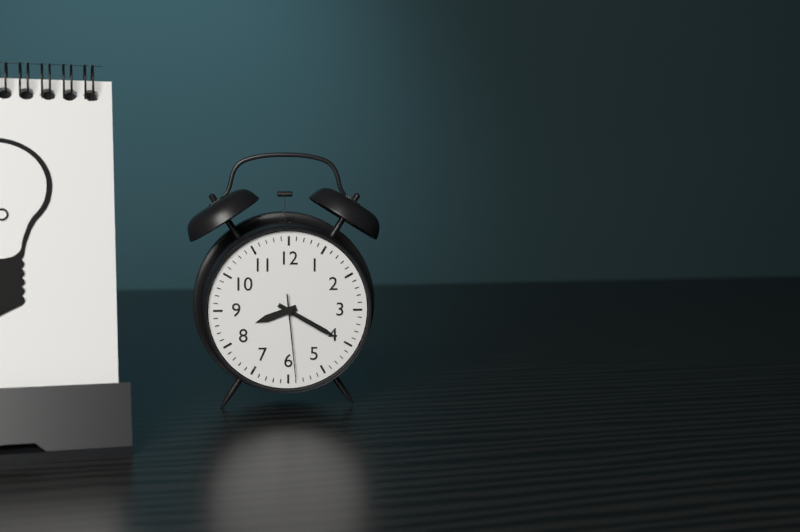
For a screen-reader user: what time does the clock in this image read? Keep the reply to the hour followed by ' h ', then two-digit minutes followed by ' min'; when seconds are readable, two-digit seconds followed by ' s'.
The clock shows 8 h 20 min 29 s
